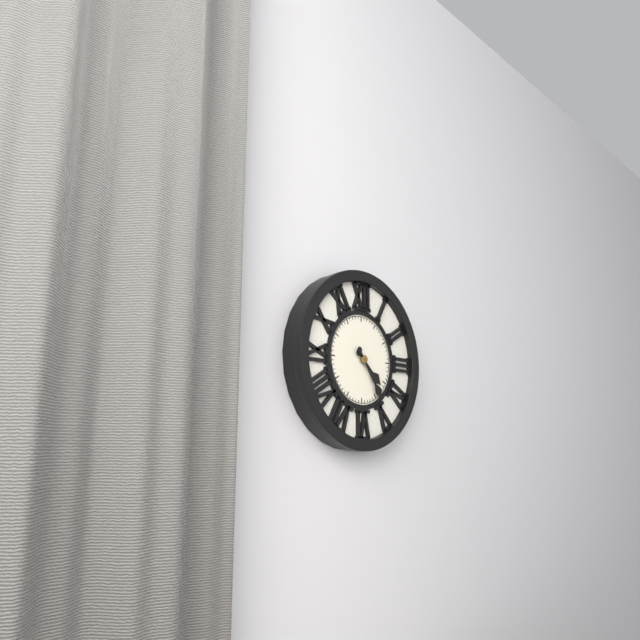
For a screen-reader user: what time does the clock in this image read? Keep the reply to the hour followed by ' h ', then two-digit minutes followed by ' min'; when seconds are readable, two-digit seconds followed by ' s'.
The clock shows 4 h 24 min
